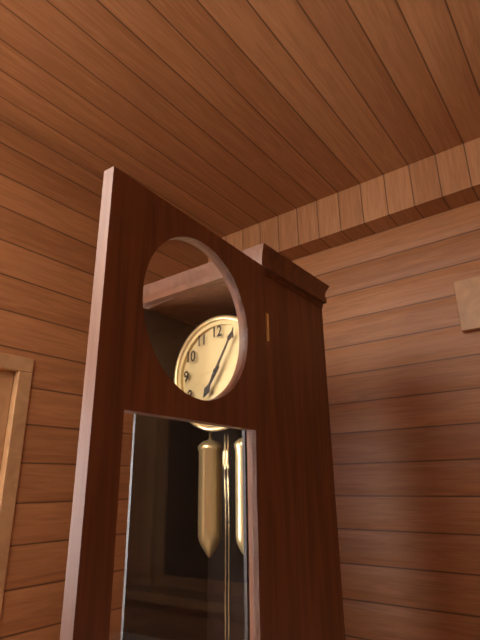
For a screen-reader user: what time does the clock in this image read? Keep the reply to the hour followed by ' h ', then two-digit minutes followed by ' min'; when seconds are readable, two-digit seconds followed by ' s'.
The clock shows 7 h 05 min
